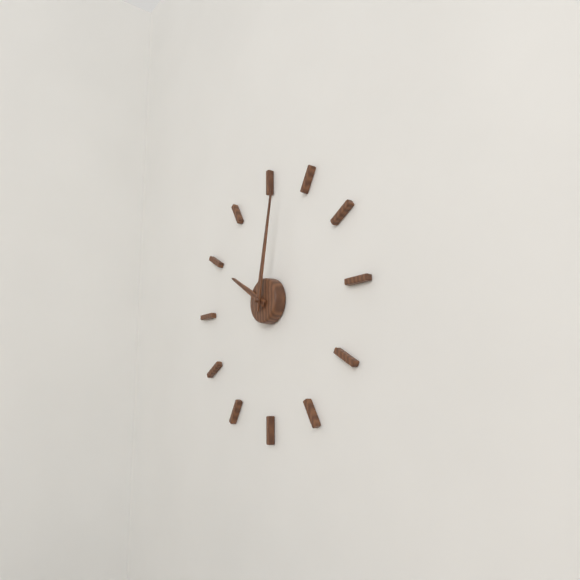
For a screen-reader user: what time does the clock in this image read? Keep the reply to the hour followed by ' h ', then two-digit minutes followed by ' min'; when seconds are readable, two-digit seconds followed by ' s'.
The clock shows 10 h 02 min
